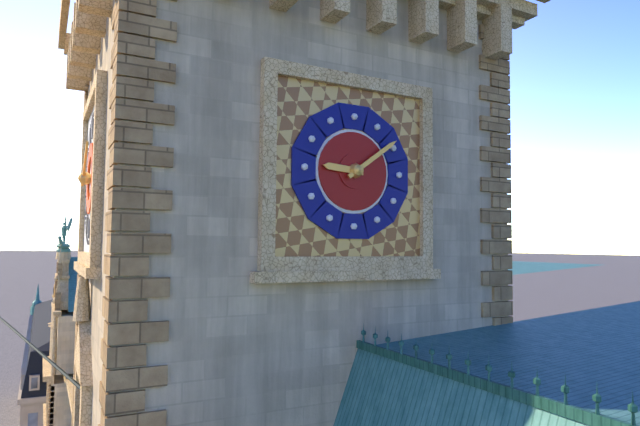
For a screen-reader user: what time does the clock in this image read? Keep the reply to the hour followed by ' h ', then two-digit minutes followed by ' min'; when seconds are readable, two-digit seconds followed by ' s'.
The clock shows 9 h 09 min
